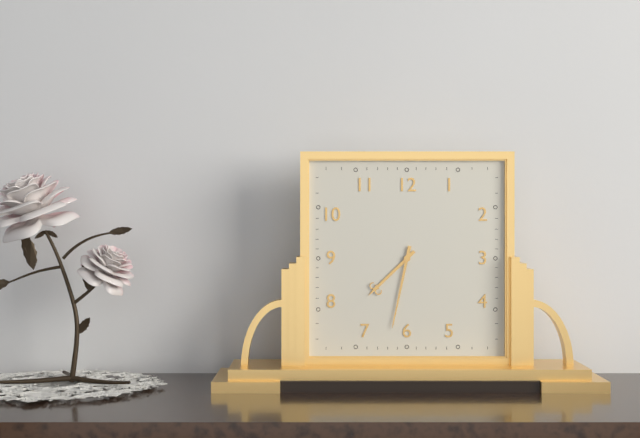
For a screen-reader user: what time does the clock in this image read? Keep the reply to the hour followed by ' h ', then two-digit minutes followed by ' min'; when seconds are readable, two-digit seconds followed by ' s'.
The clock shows 7 h 32 min
